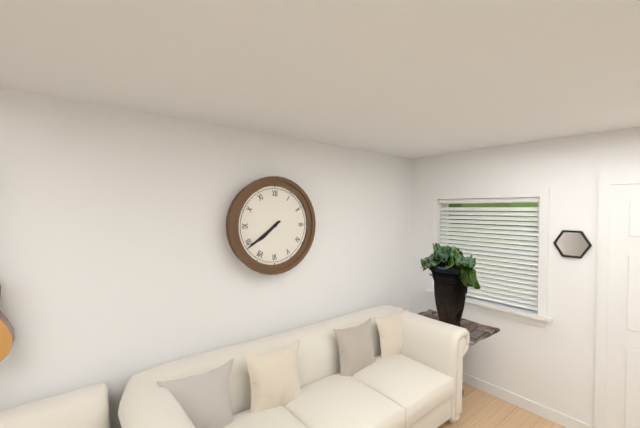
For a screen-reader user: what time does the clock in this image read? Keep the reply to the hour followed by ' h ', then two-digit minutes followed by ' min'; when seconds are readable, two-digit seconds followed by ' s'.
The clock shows 7 h 39 min
